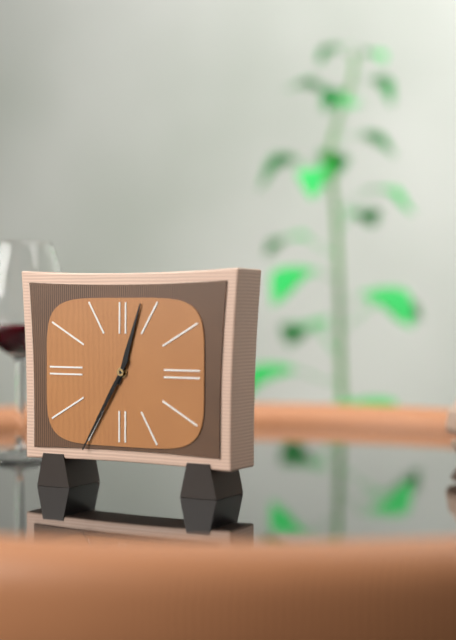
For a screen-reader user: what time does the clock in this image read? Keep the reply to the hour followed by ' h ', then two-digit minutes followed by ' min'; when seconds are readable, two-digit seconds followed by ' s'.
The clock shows 12 h 35 min
